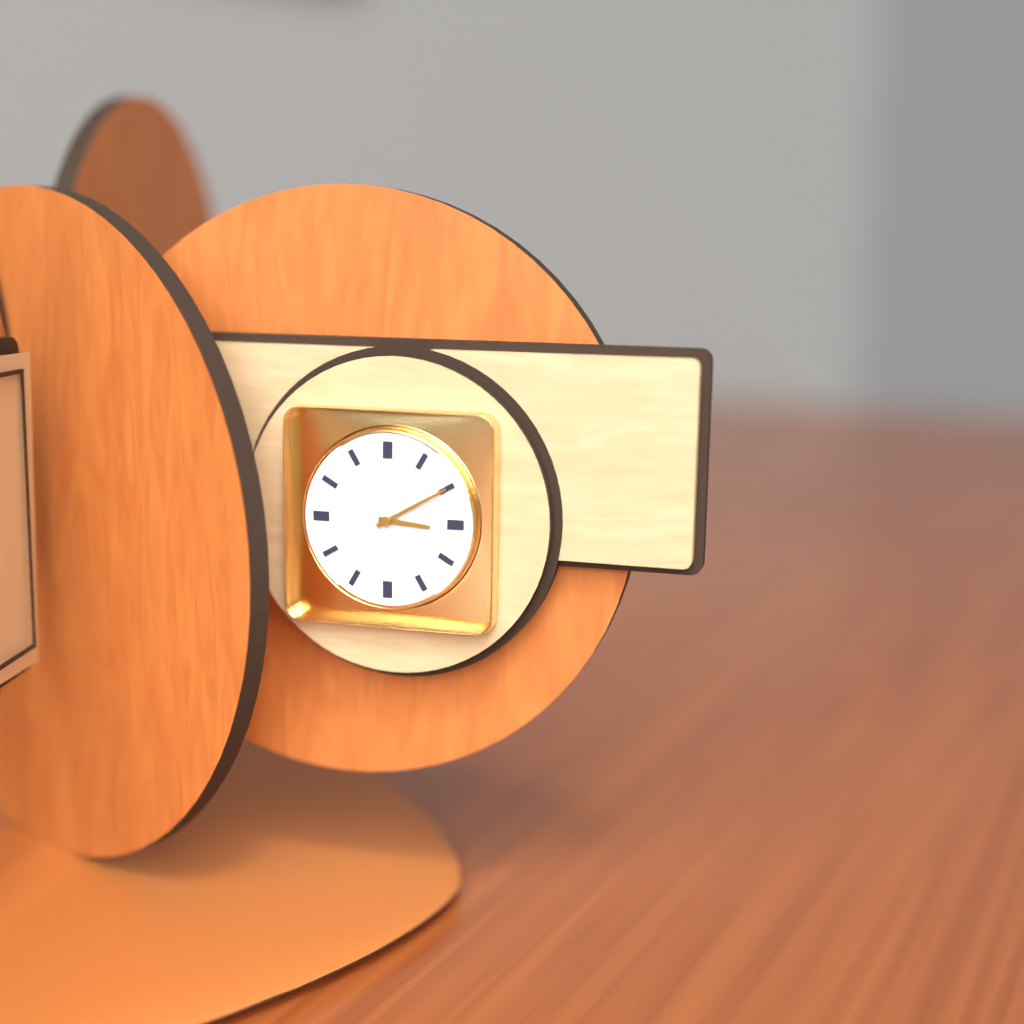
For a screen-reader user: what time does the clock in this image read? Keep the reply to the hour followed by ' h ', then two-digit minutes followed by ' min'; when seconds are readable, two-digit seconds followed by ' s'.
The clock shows 3 h 10 min
